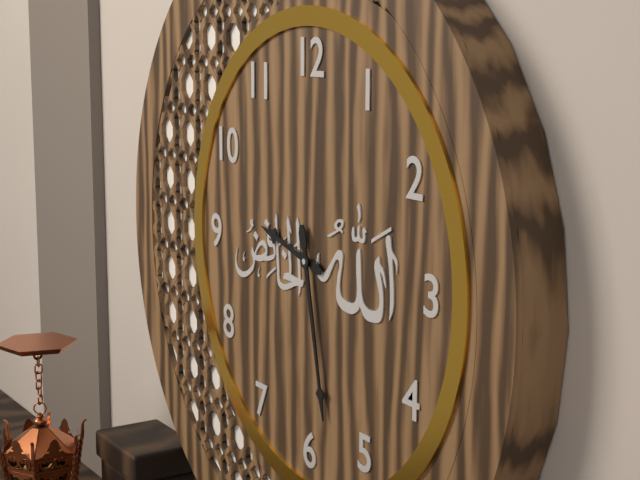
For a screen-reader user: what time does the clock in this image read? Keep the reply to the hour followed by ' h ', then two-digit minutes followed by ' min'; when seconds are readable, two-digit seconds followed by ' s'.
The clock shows 9 h 28 min
